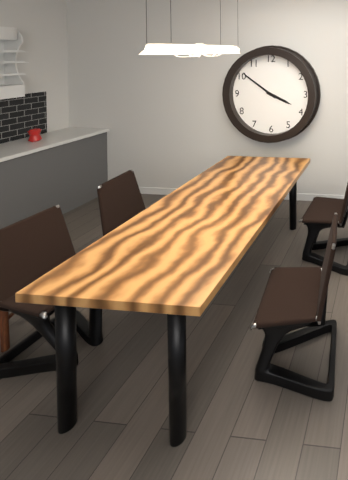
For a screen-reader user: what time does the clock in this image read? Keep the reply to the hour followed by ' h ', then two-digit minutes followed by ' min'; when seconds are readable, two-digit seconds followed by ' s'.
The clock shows 3 h 51 min
